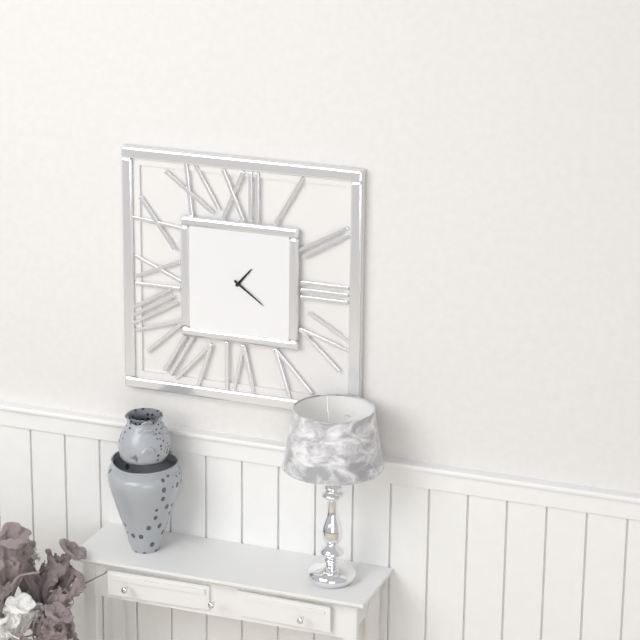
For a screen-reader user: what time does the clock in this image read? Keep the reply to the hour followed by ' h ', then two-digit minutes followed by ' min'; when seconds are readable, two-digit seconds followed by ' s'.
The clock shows 1 h 21 min
